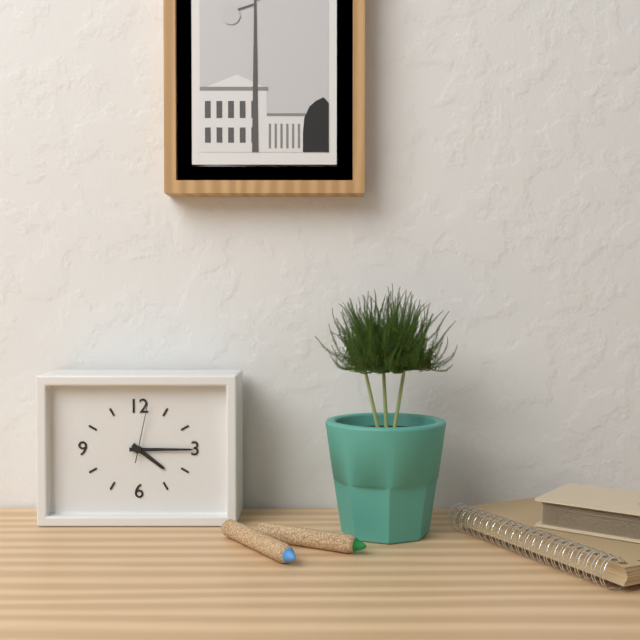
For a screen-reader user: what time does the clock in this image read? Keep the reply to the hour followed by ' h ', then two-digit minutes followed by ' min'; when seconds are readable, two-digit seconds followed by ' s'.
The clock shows 4 h 15 min 02 s
